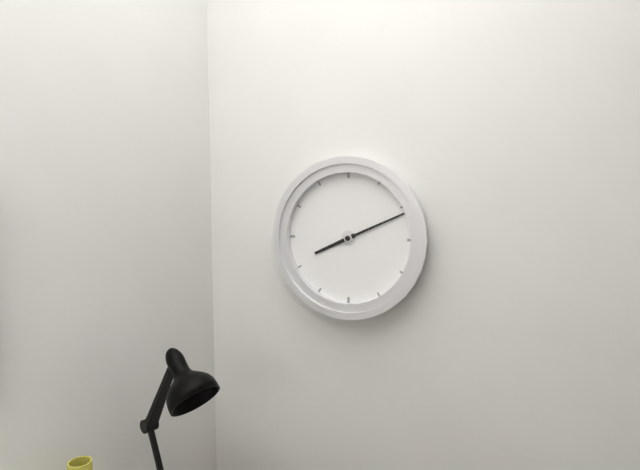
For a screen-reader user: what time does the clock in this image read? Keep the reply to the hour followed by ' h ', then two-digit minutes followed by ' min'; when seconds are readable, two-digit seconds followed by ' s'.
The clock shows 8 h 11 min
